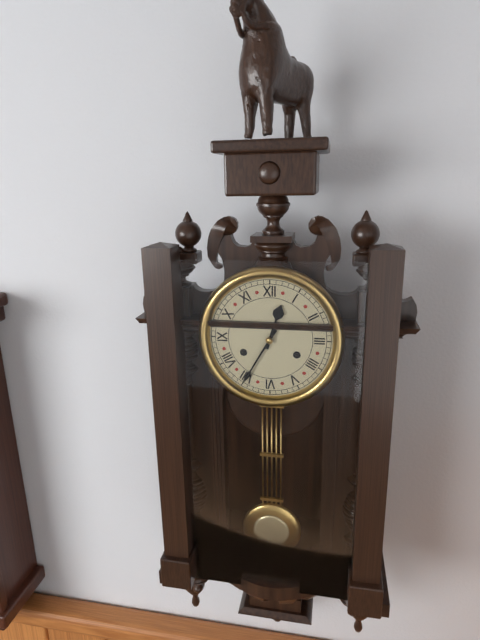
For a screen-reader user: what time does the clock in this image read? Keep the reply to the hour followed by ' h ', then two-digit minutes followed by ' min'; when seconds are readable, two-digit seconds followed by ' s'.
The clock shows 12 h 35 min
